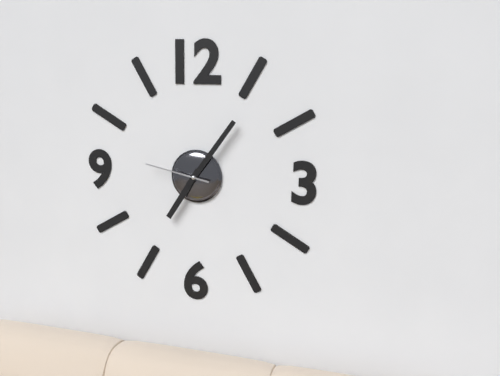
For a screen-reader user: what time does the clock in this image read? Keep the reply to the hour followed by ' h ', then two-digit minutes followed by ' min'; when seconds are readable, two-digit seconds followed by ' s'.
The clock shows 7 h 06 min 47 s
